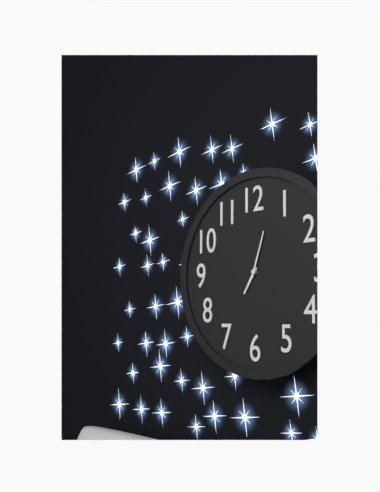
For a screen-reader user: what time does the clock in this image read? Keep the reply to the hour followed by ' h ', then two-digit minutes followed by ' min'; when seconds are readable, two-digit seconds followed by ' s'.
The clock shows 7 h 03 min
